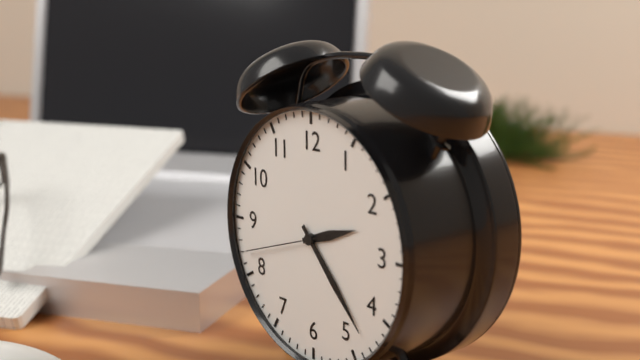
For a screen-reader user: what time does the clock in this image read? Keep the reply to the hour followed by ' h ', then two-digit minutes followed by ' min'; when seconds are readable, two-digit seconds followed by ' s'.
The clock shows 2 h 23 min 42 s
